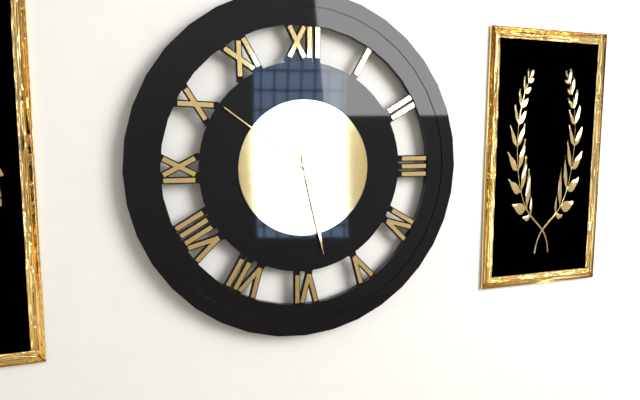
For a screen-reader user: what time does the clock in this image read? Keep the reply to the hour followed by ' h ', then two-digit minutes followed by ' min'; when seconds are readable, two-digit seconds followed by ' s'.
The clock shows 7 h 28 min 51 s
